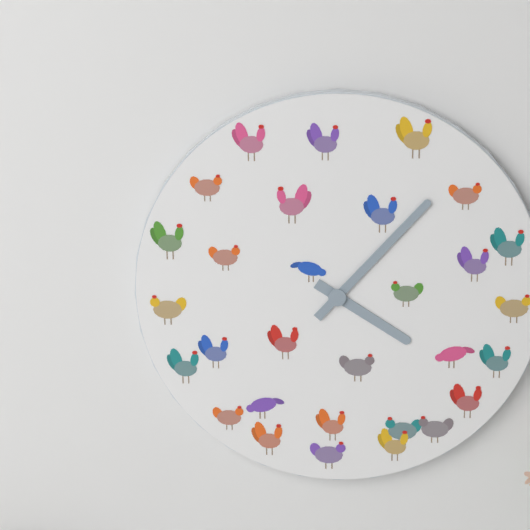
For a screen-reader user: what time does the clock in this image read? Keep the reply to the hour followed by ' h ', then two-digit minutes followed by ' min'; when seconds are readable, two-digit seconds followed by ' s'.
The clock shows 4 h 07 min
